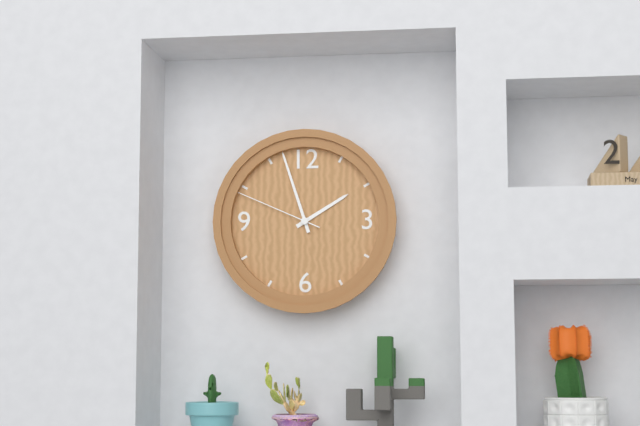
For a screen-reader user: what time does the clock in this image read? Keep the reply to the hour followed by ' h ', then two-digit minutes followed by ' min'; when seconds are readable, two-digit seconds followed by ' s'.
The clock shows 1 h 57 min 49 s
